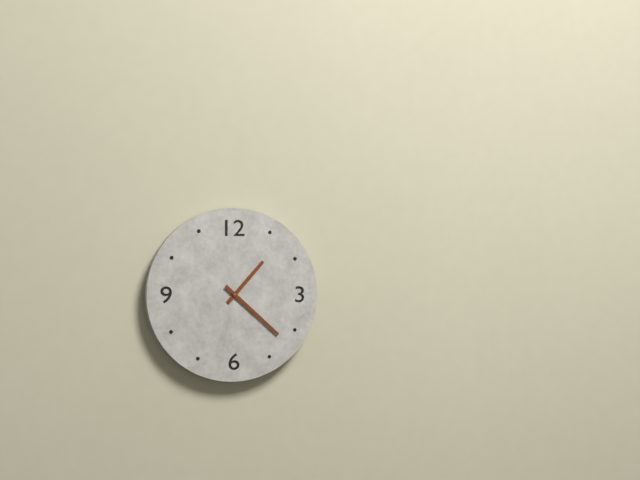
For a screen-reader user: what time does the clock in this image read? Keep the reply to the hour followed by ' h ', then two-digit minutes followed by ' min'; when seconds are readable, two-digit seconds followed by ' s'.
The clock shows 1 h 22 min
